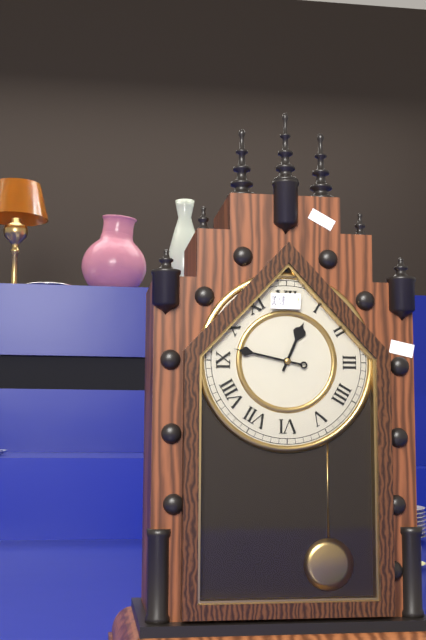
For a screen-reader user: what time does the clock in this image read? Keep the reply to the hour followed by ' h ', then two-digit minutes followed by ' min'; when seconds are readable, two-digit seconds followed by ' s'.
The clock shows 12 h 47 min
